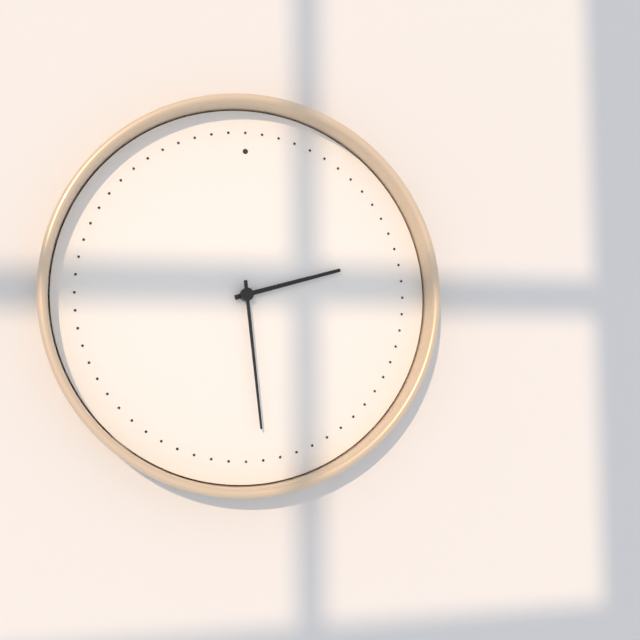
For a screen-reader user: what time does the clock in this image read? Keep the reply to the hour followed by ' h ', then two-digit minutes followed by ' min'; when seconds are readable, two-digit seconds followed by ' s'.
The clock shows 2 h 29 min
